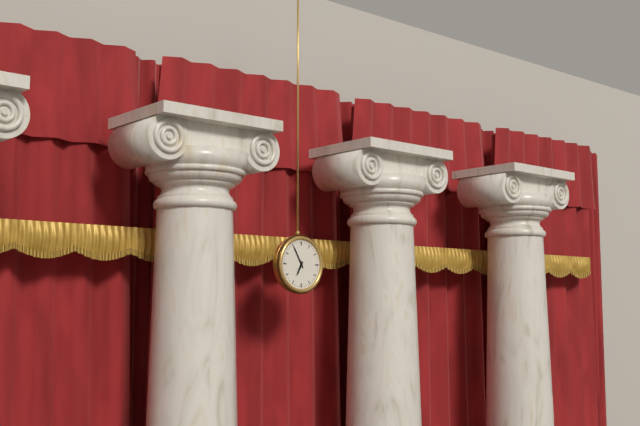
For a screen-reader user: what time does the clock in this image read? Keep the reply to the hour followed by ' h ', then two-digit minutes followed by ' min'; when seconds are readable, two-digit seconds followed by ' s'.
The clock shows 6 h 55 min
